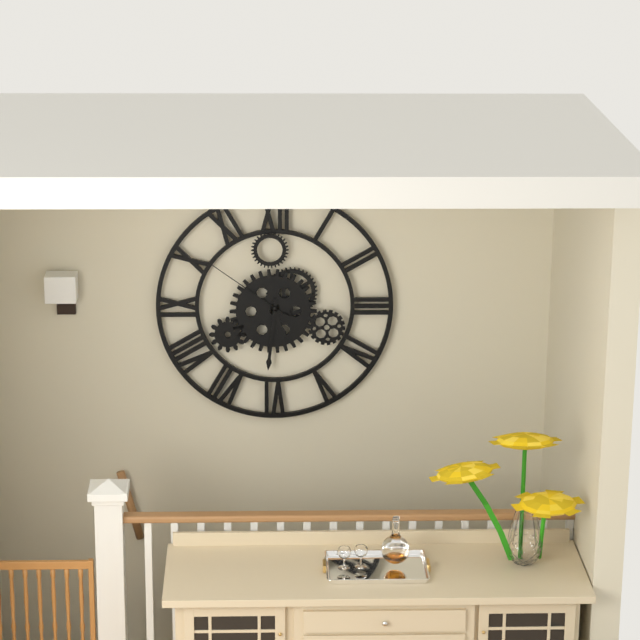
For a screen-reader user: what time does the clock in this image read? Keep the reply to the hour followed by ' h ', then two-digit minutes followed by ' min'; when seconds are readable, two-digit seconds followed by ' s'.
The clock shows 5 h 31 min 51 s
